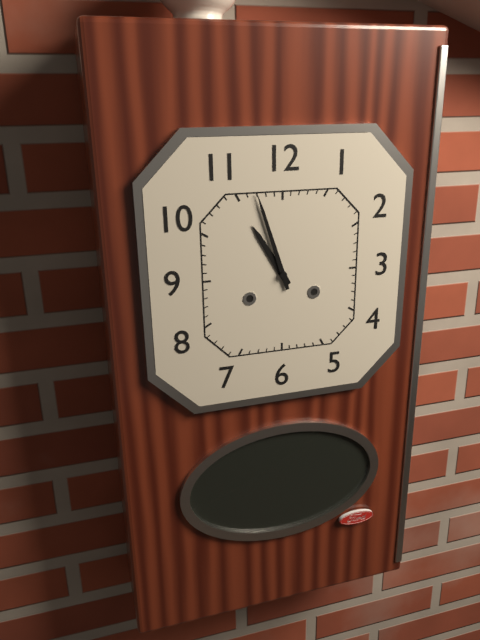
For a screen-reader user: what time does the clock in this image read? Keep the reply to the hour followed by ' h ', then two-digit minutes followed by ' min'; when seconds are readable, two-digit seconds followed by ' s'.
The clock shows 10 h 57 min
